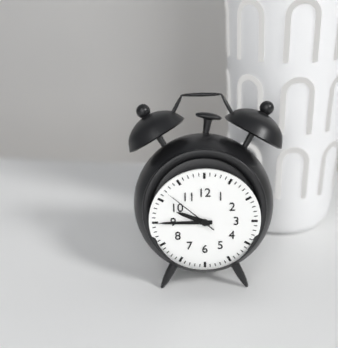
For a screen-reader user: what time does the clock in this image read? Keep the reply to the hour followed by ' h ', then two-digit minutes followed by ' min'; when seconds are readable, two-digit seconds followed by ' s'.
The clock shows 9 h 45 min 52 s
